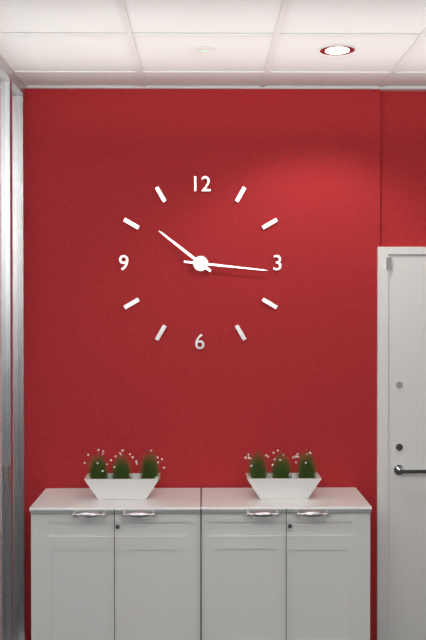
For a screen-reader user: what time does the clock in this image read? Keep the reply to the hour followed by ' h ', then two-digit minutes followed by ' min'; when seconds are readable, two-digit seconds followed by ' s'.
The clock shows 10 h 16 min
